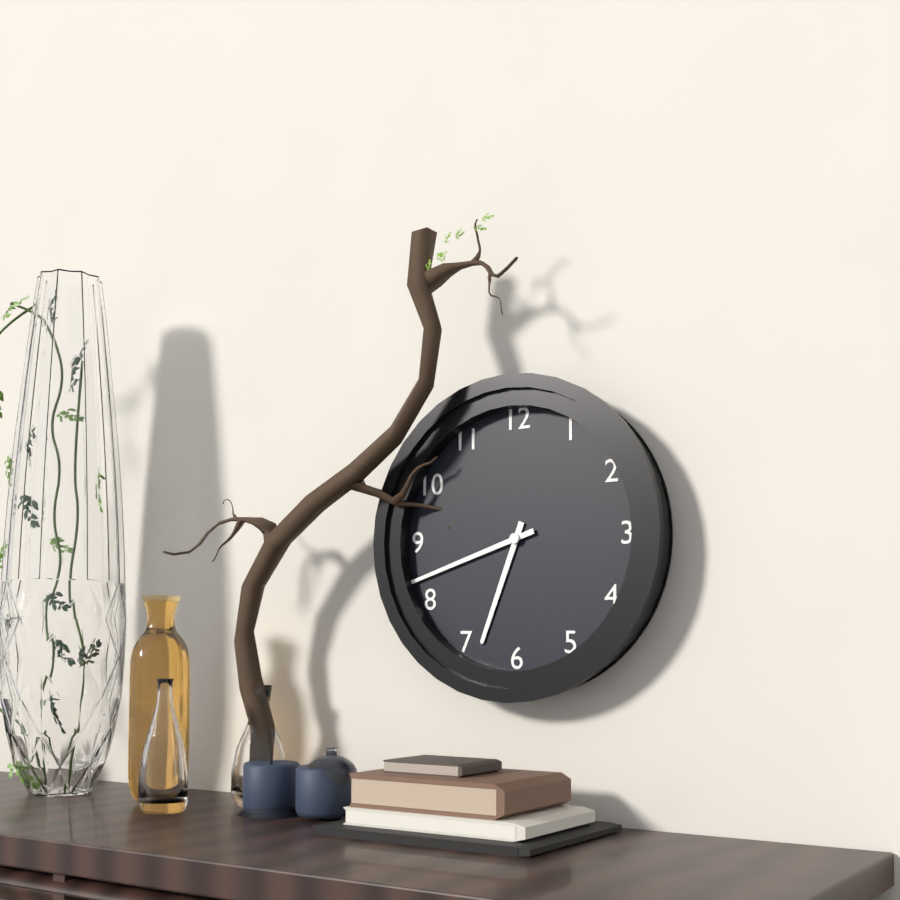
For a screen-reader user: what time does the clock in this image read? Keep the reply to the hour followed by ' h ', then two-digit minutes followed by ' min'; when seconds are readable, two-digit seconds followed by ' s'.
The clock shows 6 h 42 min
